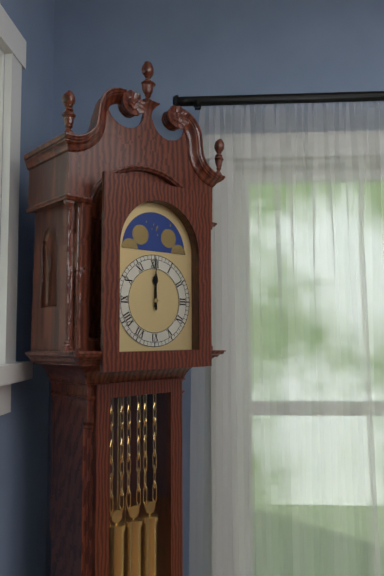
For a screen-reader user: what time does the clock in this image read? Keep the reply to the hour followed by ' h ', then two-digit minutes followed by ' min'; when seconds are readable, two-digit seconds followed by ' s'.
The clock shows 12 h 00 min
